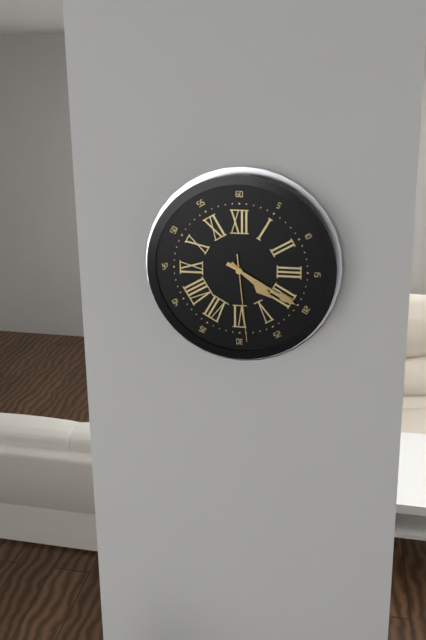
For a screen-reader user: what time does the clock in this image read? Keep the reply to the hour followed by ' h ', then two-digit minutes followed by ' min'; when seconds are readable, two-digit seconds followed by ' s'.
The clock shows 4 h 20 min 29 s
